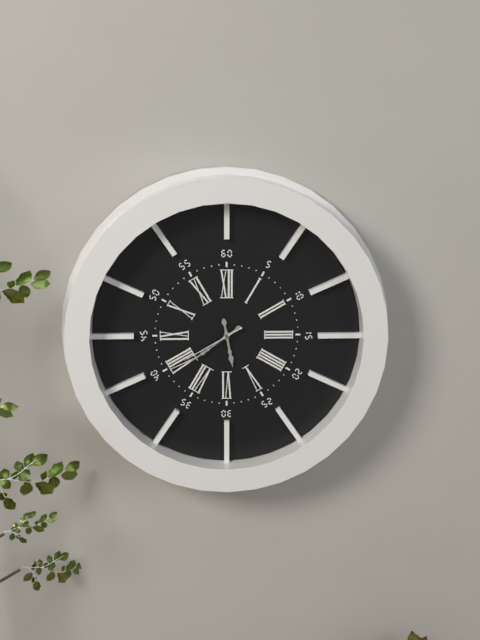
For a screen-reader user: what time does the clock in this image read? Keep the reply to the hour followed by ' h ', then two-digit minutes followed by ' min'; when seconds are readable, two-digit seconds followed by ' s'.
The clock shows 5 h 39 min 40 s
